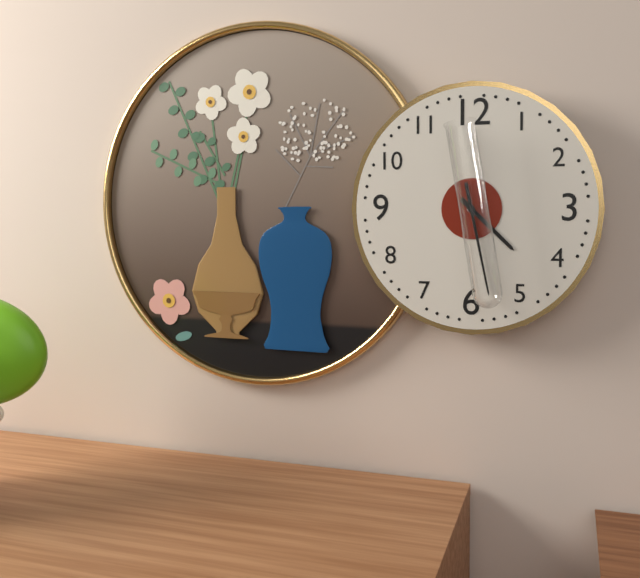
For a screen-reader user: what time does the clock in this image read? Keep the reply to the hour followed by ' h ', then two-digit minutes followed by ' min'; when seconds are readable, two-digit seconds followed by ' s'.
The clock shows 4 h 28 min
